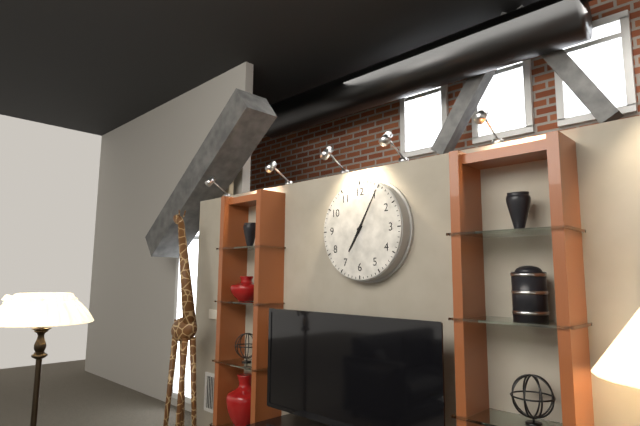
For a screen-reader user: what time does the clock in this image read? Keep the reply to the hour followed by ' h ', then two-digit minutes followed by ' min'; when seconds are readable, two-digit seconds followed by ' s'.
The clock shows 7 h 05 min
